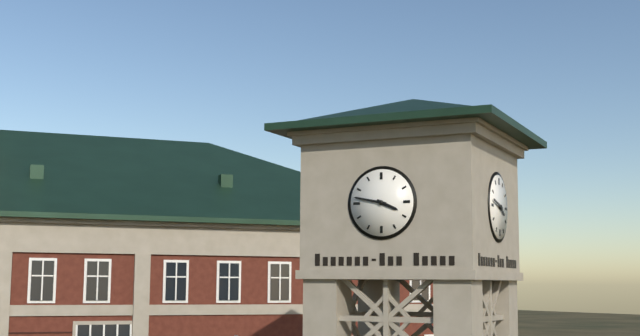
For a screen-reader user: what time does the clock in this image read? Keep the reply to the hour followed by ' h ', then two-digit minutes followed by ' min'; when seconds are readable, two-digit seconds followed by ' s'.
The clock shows 3 h 47 min
